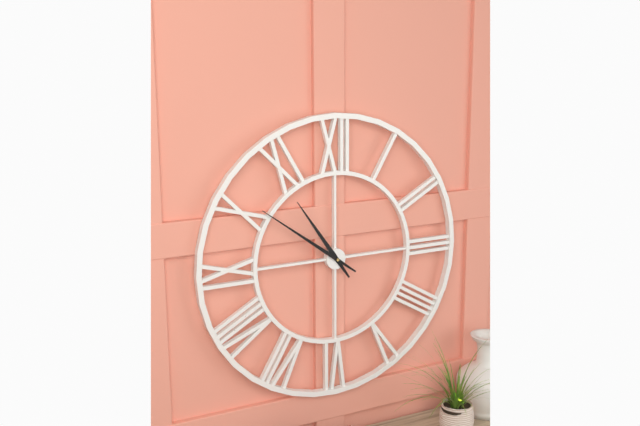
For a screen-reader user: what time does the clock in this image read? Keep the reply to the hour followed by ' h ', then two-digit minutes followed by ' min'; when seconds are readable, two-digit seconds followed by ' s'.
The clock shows 10 h 51 min
